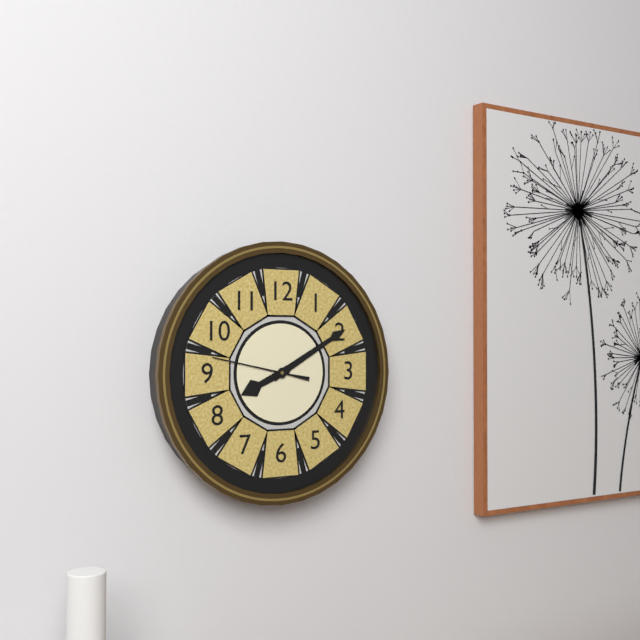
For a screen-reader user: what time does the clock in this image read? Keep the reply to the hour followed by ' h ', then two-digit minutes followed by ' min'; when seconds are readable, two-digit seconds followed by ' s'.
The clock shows 8 h 10 min 47 s
